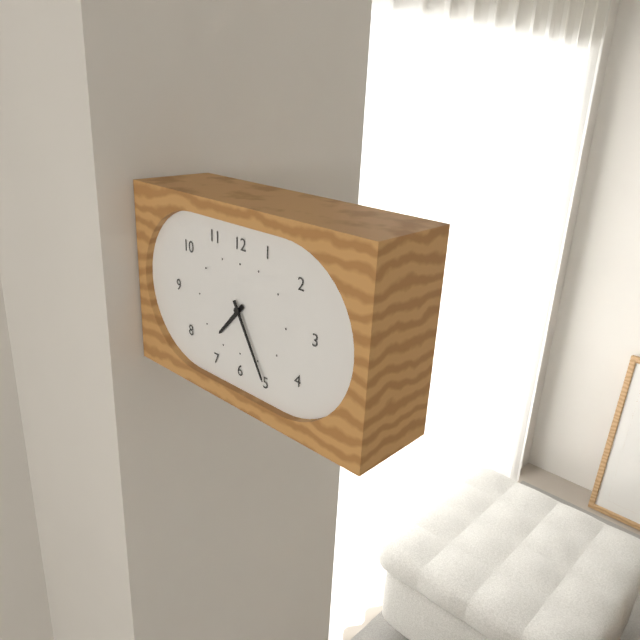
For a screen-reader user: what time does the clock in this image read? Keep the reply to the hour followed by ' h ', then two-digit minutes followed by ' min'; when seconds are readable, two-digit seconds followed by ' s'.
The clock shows 7 h 25 min
